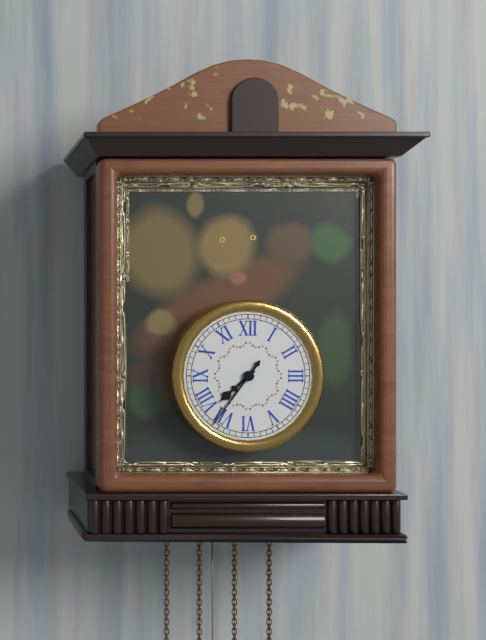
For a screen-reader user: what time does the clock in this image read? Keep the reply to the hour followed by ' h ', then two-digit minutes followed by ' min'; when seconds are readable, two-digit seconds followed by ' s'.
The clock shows 7 h 36 min
